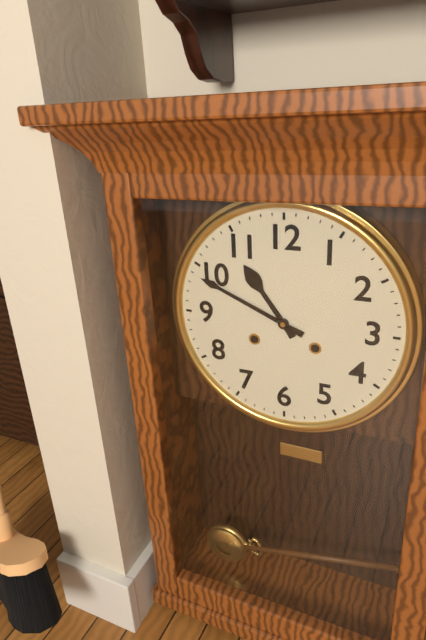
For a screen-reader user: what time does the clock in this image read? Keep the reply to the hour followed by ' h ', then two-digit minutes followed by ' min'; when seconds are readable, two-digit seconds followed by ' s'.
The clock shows 10 h 49 min
